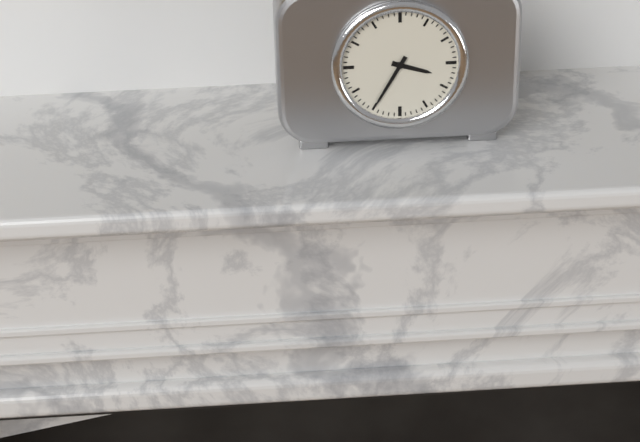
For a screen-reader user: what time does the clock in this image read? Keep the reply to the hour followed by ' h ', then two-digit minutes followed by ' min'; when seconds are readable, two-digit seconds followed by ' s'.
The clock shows 3 h 35 min
